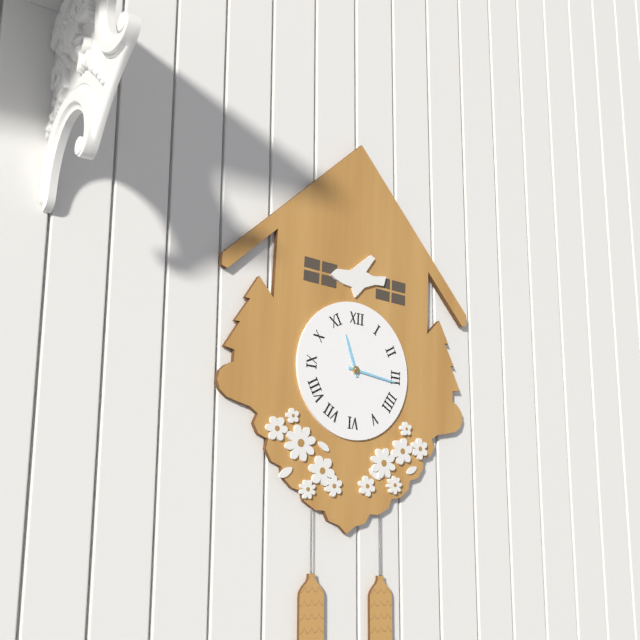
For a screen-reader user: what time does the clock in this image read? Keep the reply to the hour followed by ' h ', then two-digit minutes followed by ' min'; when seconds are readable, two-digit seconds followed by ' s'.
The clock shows 11 h 16 min
